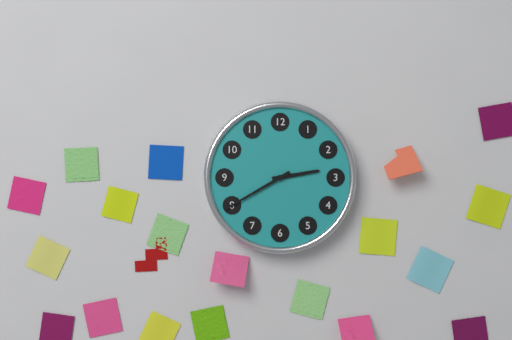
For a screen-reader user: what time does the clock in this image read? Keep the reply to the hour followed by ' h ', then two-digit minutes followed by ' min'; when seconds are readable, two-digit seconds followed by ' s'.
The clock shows 2 h 40 min
